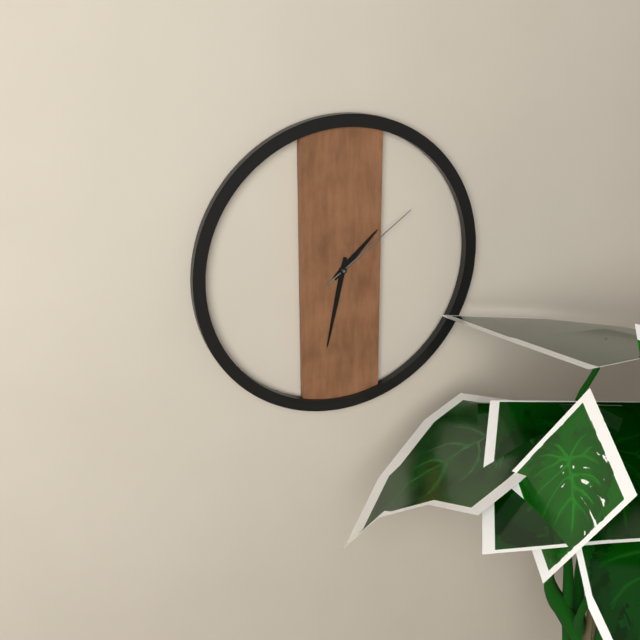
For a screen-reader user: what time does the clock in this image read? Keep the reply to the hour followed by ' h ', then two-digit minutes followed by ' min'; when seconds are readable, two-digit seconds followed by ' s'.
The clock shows 1 h 32 min 09 s
